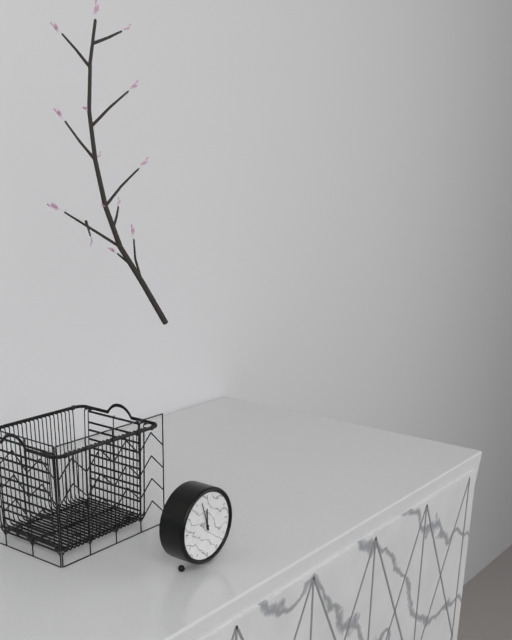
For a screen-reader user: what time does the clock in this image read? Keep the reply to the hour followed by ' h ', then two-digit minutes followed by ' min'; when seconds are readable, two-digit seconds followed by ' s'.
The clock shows 11 h 57 min
